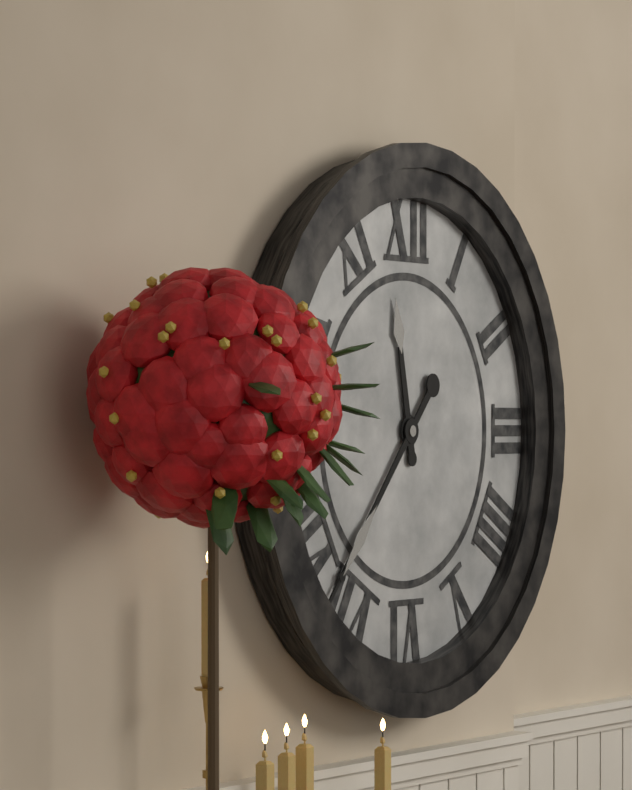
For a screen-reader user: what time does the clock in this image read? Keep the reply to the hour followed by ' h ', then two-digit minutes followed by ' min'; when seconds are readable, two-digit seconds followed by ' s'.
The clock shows 11 h 37 min
